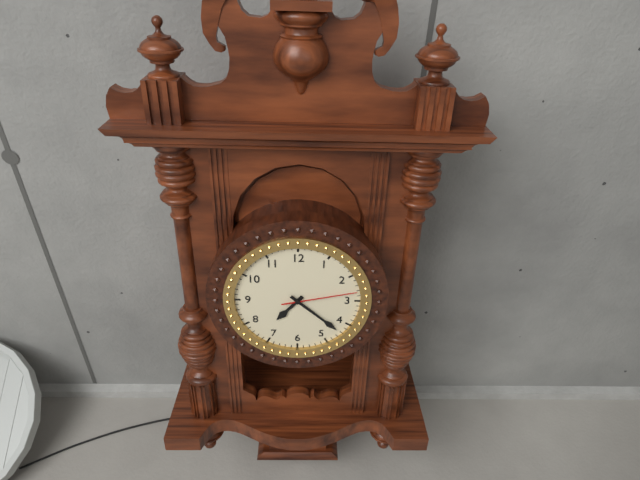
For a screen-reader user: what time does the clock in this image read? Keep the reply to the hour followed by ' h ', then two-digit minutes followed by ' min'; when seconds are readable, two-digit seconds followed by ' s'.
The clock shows 7 h 22 min 13 s
